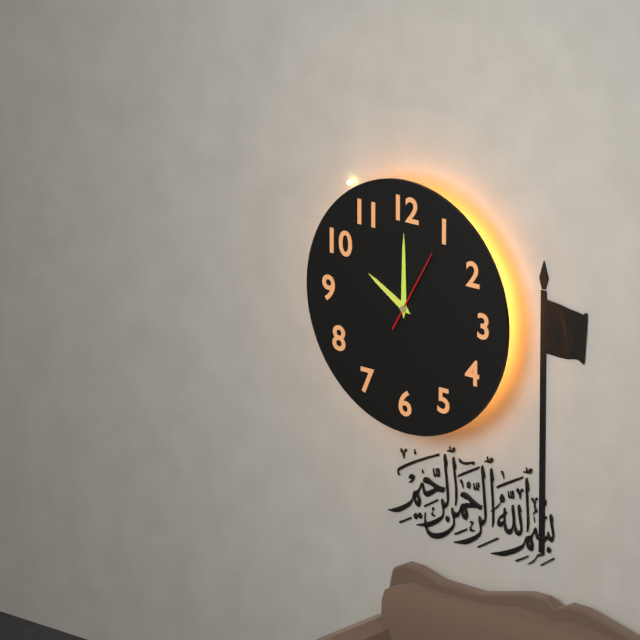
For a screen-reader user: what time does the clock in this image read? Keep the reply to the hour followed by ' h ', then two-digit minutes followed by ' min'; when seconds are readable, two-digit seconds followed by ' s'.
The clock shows 10 h 00 min 05 s
